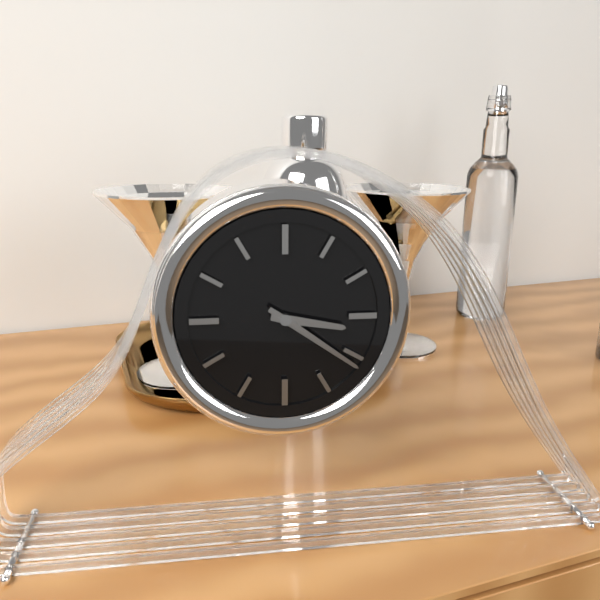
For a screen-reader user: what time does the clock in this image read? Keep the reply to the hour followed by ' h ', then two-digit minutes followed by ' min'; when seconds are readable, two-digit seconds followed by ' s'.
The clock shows 3 h 21 min
